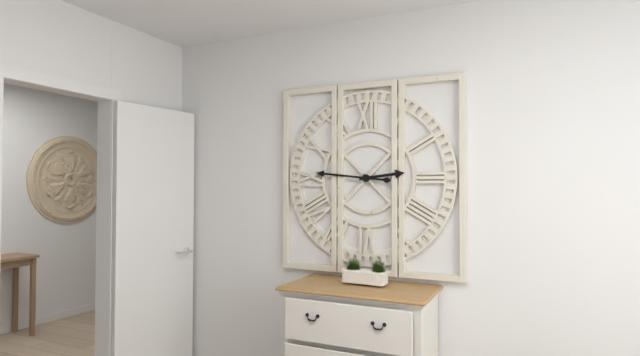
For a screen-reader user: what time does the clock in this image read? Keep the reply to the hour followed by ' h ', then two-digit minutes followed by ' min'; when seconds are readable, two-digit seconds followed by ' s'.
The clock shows 2 h 46 min
